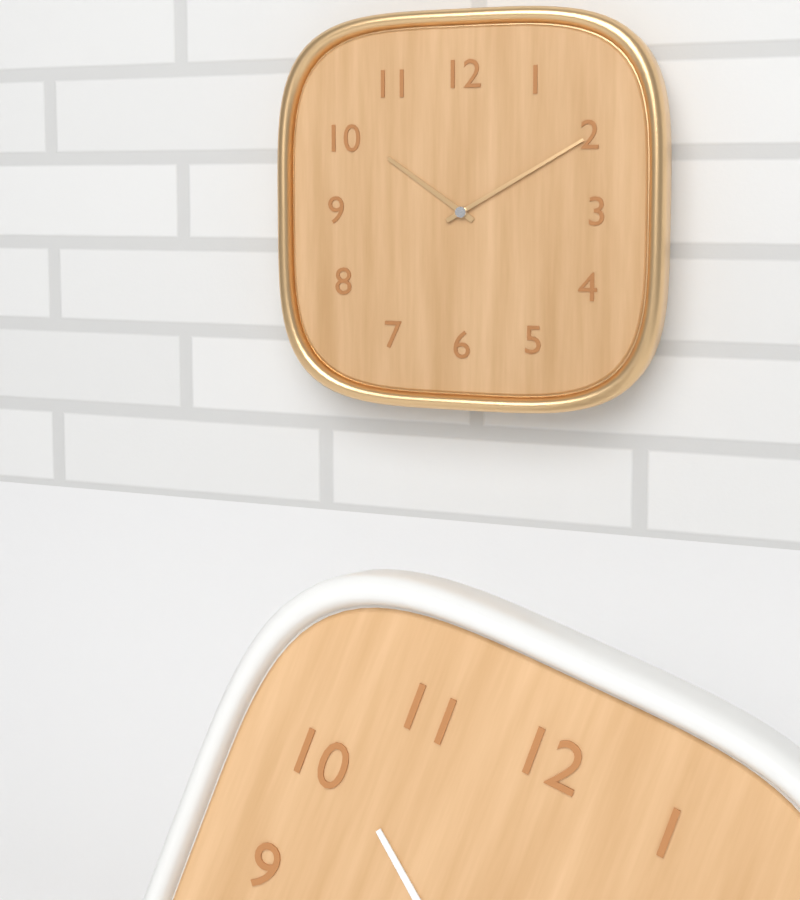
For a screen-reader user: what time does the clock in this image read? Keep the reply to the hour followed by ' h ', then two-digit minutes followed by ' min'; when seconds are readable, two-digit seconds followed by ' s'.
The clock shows 10 h 10 min
